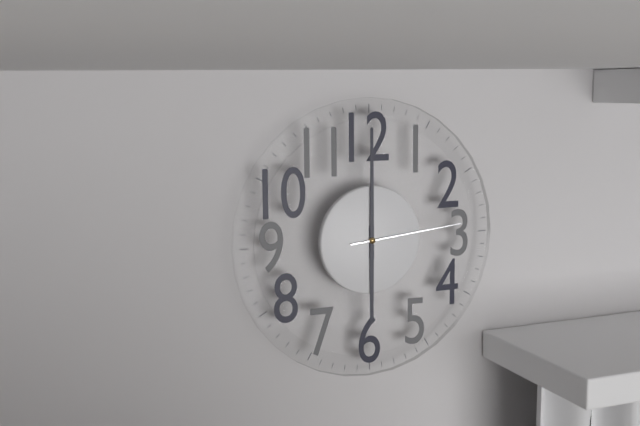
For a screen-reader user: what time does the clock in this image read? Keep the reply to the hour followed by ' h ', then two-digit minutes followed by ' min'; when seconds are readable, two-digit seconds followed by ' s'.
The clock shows 6 h 00 min 14 s
